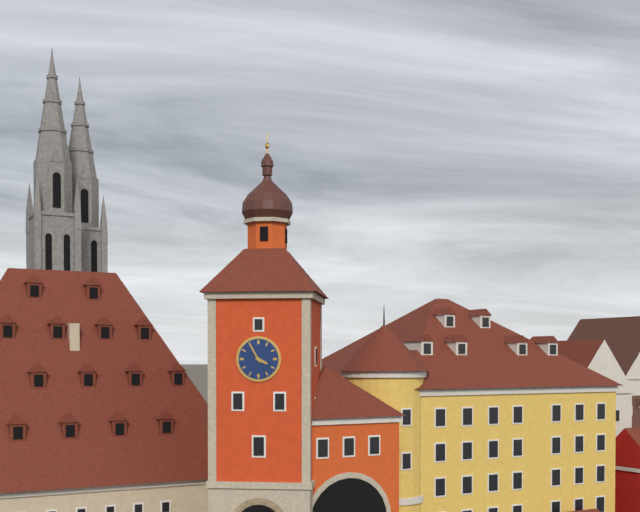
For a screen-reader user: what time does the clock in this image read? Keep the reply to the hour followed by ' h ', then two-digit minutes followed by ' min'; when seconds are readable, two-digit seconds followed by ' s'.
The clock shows 3 h 55 min
